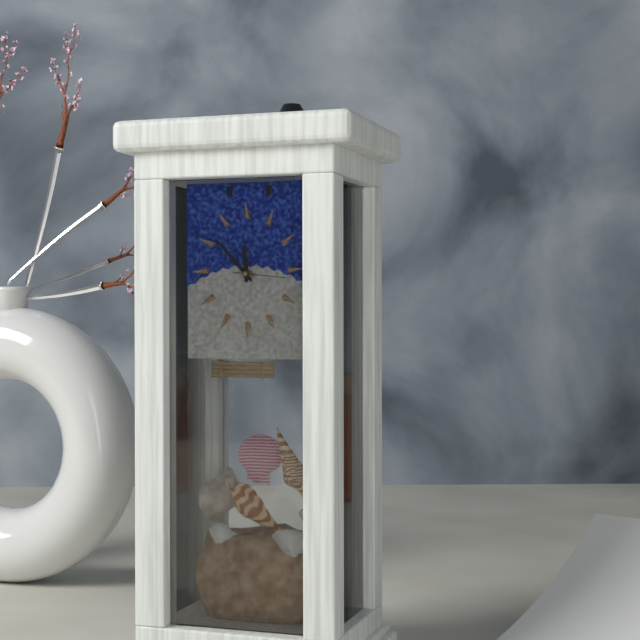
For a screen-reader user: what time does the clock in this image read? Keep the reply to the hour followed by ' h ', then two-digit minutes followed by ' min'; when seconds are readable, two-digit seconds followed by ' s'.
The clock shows 11 h 53 min 16 s
